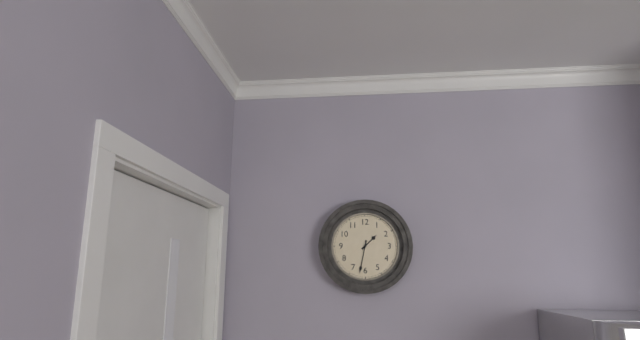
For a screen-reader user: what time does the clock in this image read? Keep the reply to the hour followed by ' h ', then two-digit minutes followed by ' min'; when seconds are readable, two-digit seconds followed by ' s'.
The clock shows 1 h 32 min
